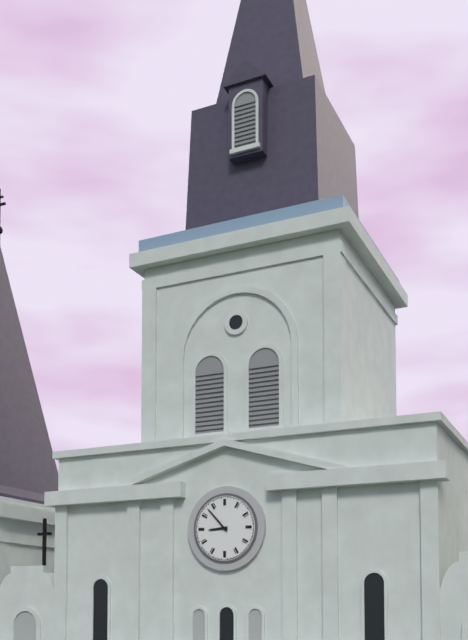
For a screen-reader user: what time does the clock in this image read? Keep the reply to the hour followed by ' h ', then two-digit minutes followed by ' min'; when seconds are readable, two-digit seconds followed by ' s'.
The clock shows 8 h 53 min
